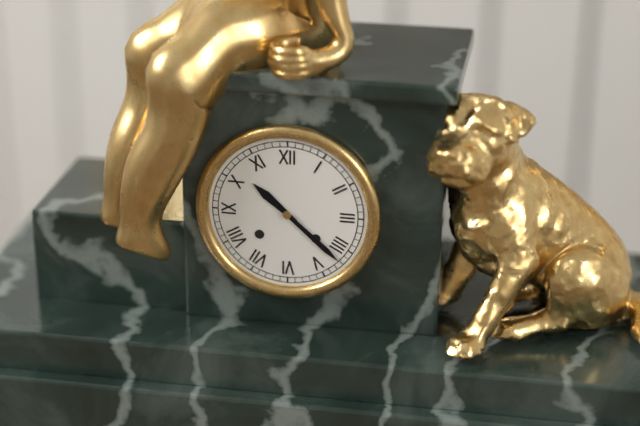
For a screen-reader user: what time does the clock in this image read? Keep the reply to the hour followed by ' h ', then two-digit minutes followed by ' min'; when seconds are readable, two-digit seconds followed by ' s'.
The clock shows 10 h 22 min
